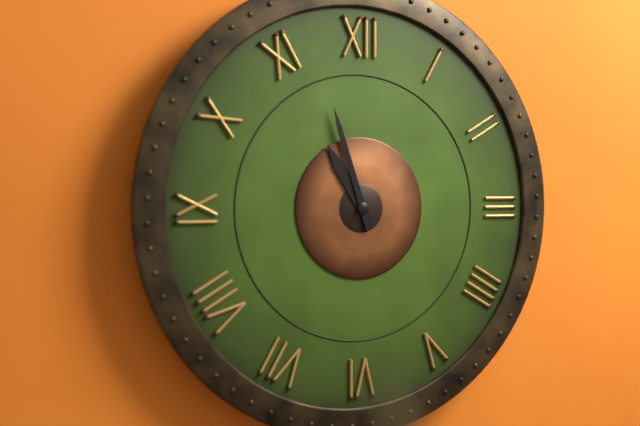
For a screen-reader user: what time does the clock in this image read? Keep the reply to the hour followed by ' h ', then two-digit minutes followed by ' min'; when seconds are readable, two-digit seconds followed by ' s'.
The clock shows 10 h 57 min
